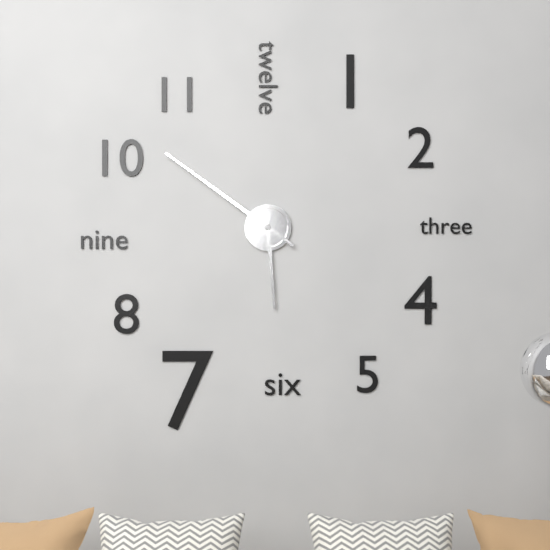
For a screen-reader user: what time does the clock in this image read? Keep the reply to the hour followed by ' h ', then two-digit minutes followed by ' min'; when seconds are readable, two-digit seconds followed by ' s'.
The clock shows 5 h 51 min
